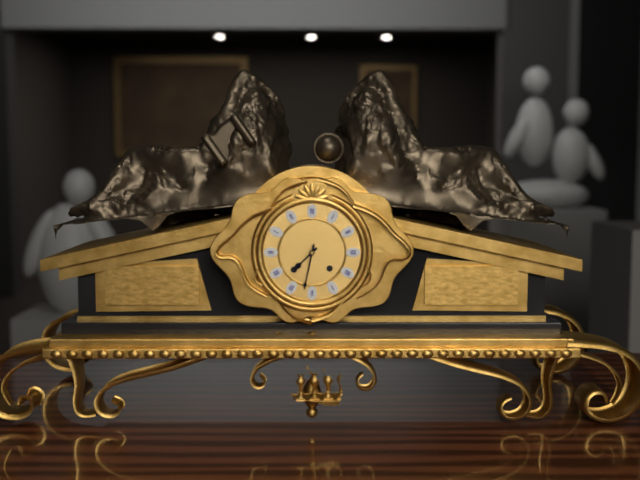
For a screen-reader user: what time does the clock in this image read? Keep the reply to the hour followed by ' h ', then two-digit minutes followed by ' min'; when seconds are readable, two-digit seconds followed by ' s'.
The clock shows 7 h 32 min
